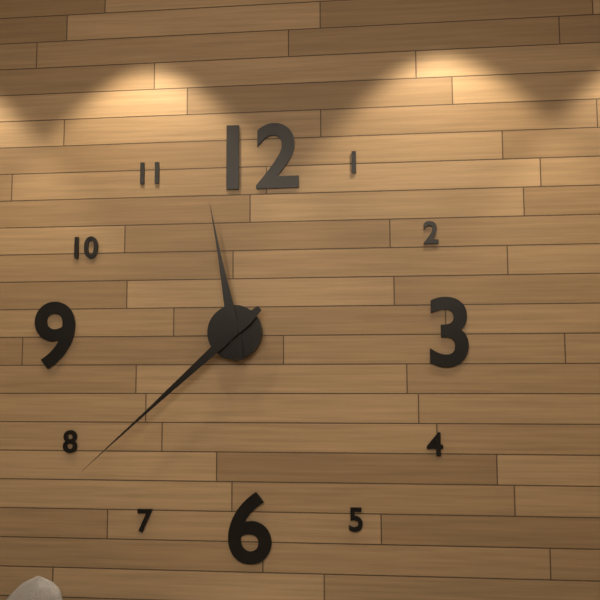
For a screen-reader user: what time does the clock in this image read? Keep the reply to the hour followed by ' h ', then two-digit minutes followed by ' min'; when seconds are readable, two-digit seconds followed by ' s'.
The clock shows 11 h 38 min
